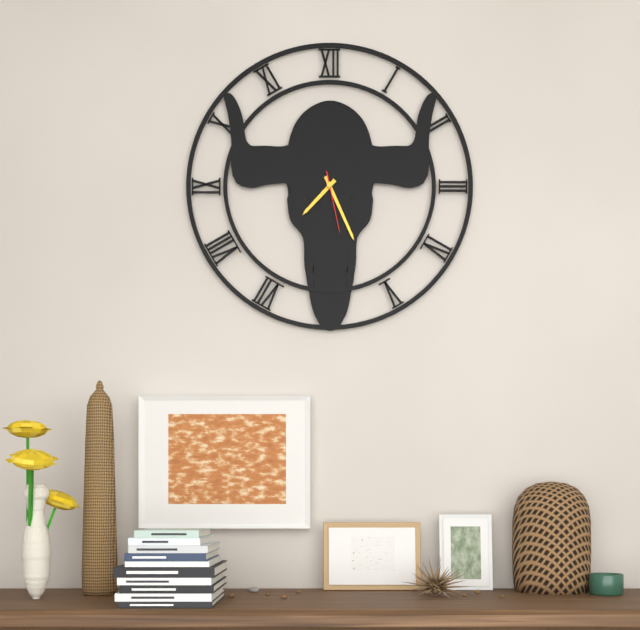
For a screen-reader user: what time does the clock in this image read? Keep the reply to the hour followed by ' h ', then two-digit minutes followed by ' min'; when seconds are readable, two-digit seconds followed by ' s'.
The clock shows 7 h 26 min 28 s
